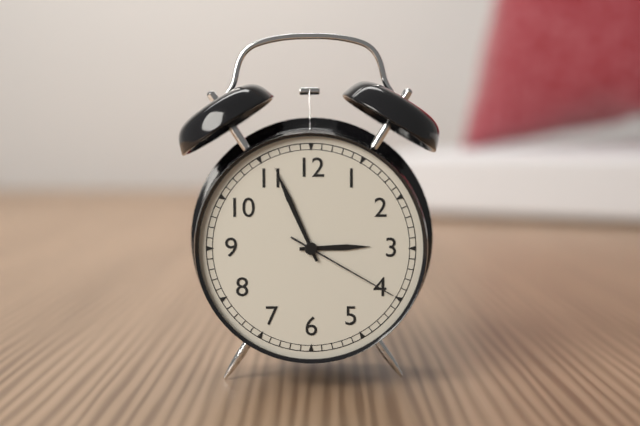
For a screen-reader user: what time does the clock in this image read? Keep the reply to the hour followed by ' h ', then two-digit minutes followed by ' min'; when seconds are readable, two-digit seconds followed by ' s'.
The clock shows 2 h 56 min 20 s
